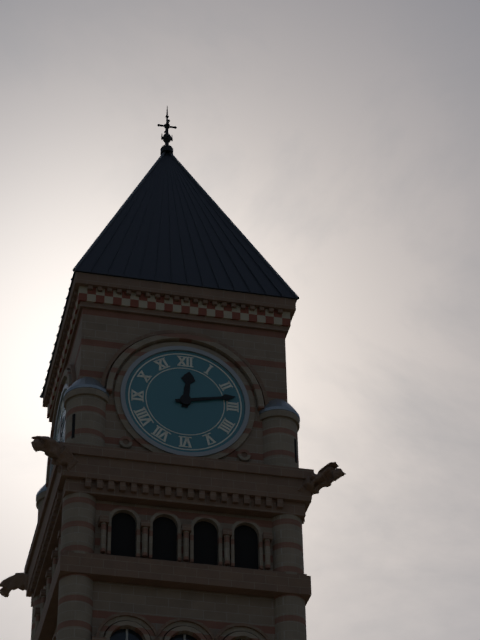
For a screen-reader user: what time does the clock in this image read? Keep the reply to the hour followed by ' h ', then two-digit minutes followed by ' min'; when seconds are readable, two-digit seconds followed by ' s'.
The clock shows 12 h 13 min
